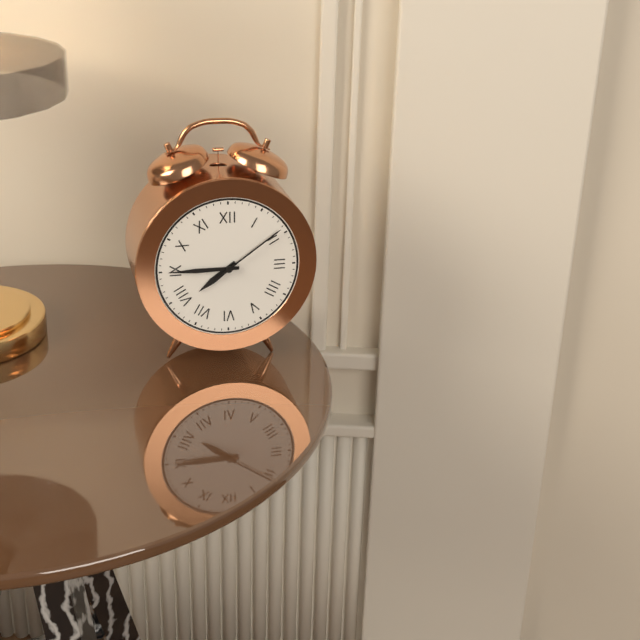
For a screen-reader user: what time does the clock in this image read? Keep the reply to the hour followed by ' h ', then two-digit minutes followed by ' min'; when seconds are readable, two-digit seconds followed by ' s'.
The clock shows 7 h 45 min 09 s
